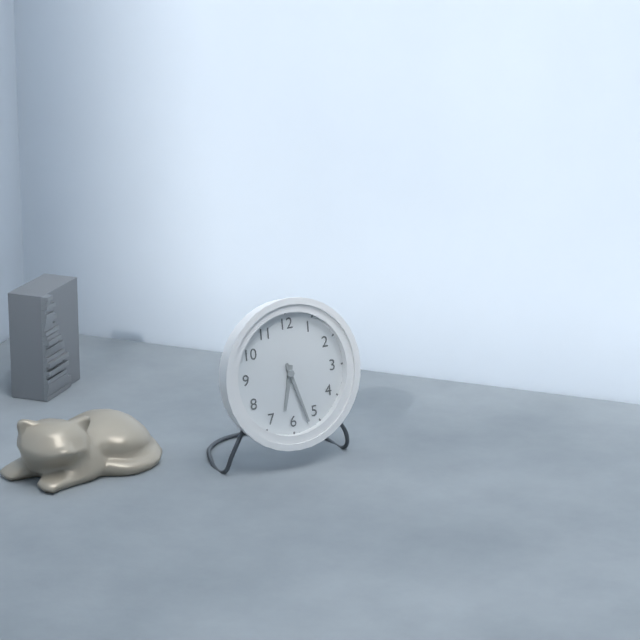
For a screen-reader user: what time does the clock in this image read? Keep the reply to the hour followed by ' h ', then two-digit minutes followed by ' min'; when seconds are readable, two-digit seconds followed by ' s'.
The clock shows 6 h 27 min
